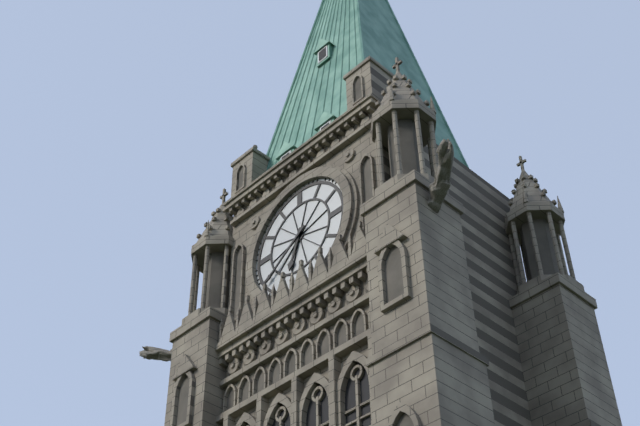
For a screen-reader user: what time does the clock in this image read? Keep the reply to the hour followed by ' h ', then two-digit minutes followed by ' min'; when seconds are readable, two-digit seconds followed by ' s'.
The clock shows 6 h 39 min
